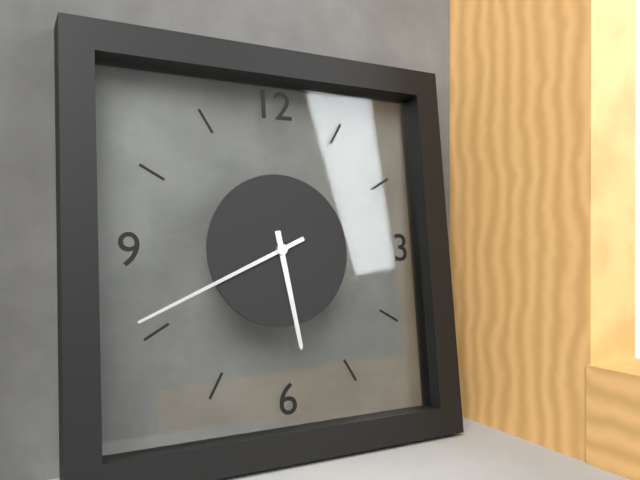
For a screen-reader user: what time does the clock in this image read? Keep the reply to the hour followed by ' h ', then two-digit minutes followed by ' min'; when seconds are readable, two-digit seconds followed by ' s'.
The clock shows 5 h 41 min
